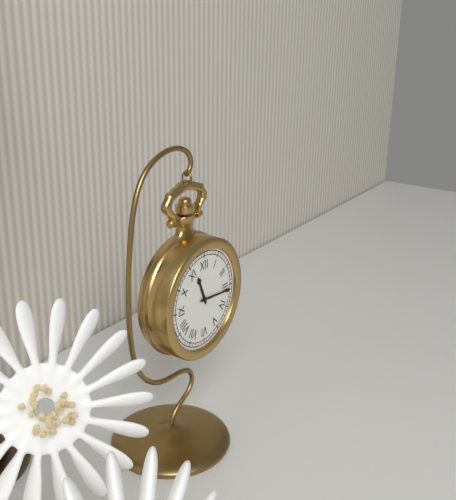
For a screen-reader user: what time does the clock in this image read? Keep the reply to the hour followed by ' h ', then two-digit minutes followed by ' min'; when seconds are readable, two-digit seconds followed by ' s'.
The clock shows 11 h 16 min
